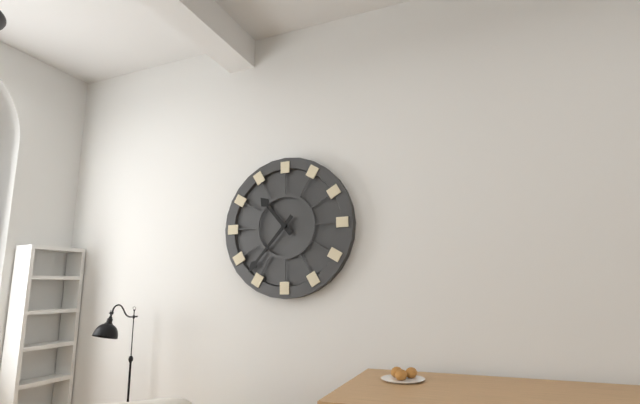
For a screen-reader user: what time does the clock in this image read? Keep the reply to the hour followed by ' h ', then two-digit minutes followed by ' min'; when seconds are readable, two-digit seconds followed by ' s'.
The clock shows 10 h 37 min
